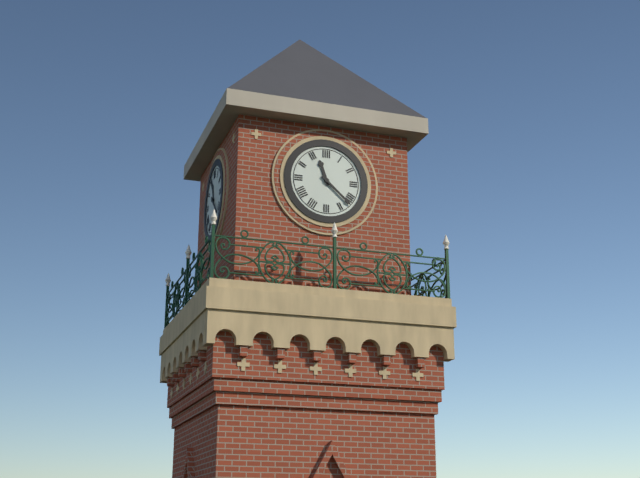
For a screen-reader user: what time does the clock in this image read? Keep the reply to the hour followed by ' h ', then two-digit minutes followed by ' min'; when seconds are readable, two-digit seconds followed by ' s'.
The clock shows 11 h 22 min
